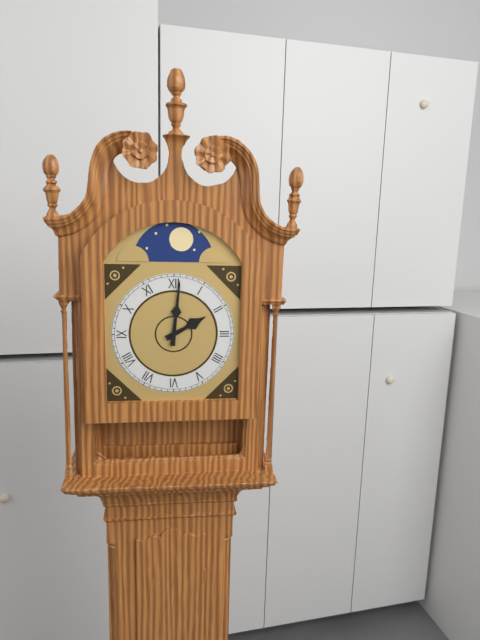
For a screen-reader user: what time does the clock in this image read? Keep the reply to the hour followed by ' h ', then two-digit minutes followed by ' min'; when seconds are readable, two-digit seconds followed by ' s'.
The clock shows 2 h 01 min
